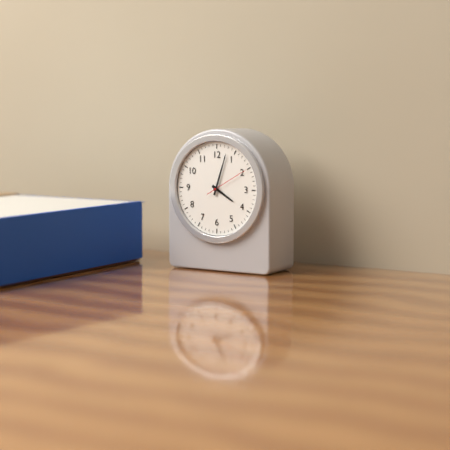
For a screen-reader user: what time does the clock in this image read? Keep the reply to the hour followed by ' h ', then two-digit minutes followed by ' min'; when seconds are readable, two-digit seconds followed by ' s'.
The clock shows 4 h 03 min
